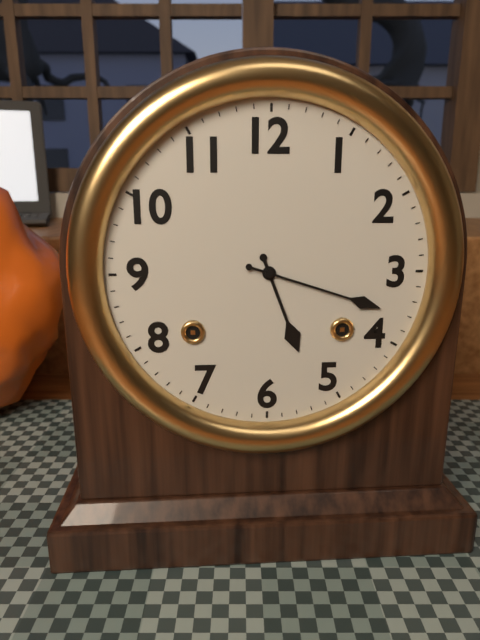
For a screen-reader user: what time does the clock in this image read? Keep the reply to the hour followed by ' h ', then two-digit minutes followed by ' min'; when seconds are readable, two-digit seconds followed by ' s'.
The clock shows 5 h 18 min
